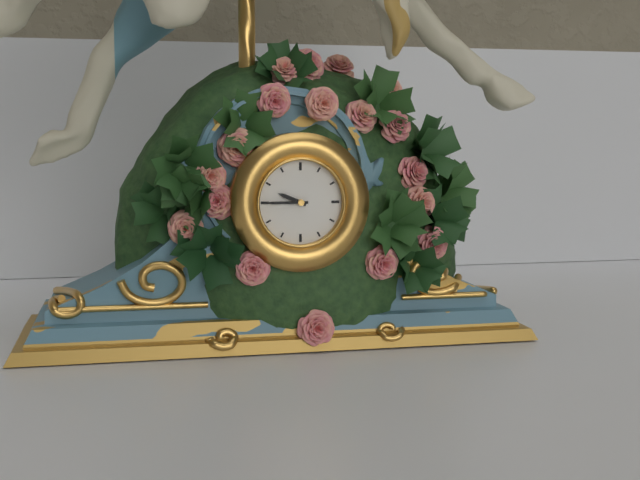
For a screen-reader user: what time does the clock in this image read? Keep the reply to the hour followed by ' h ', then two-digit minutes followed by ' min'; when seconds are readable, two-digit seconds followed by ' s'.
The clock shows 9 h 45 min
